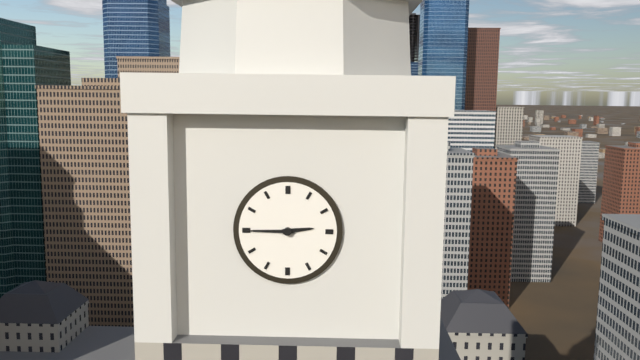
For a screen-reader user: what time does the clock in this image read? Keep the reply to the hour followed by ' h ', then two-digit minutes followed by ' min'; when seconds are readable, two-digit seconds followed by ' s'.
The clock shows 2 h 45 min
